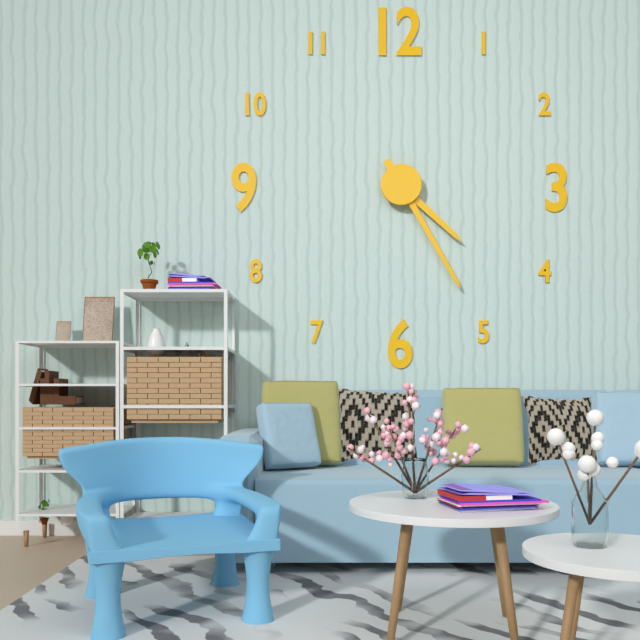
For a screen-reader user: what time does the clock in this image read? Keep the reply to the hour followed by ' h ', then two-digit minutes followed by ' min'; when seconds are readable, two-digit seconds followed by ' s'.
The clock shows 4 h 25 min
